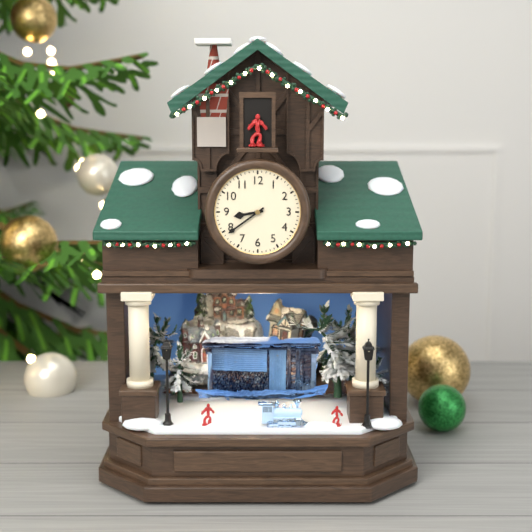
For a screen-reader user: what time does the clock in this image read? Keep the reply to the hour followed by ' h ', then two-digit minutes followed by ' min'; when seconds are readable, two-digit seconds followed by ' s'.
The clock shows 8 h 39 min
